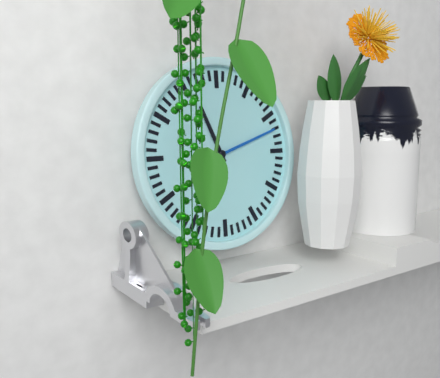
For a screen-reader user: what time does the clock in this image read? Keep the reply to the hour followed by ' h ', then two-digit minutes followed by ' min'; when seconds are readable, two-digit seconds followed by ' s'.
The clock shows 11 h 12 min
